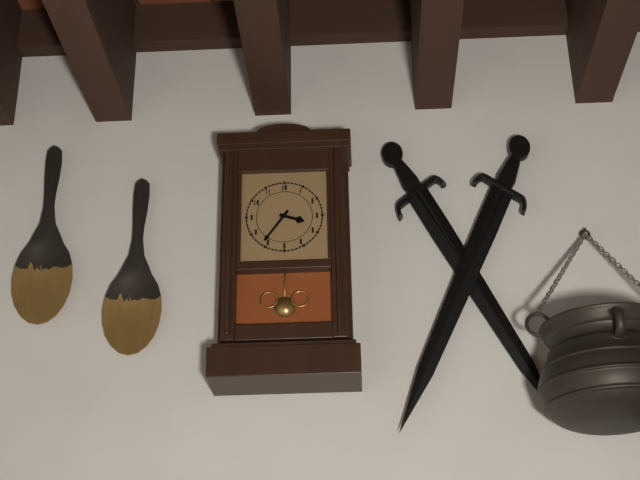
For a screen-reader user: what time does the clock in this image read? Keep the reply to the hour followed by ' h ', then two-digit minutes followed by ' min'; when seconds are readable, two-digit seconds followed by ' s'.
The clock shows 3 h 36 min
